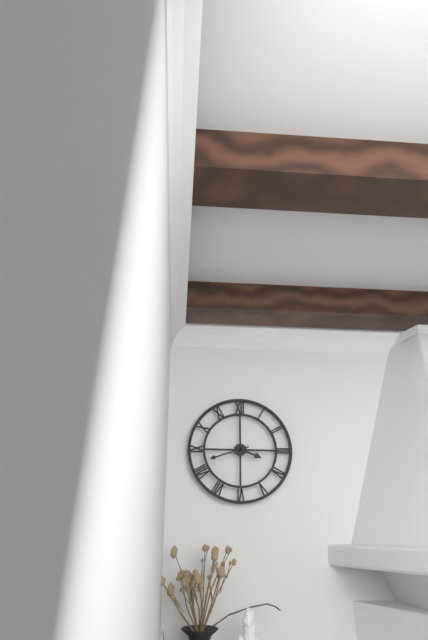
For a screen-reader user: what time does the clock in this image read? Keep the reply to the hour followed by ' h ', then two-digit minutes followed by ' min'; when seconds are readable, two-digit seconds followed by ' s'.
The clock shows 3 h 42 min
